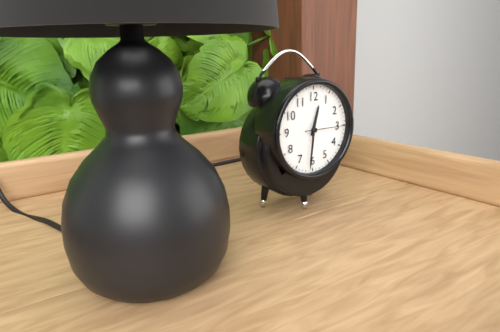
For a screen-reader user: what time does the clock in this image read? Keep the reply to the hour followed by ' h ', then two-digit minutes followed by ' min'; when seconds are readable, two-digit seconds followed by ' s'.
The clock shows 12 h 31 min
